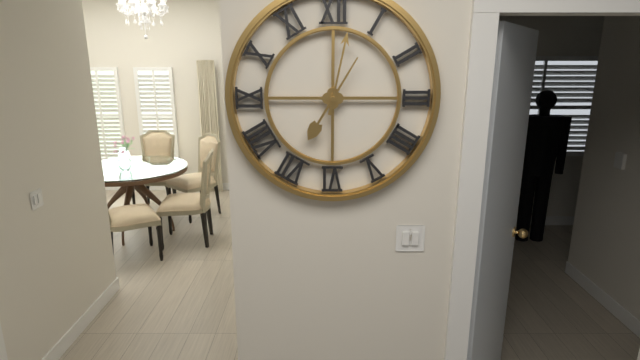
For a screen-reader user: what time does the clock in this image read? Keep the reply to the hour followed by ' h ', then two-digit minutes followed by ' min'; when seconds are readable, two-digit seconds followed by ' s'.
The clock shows 7 h 02 min
